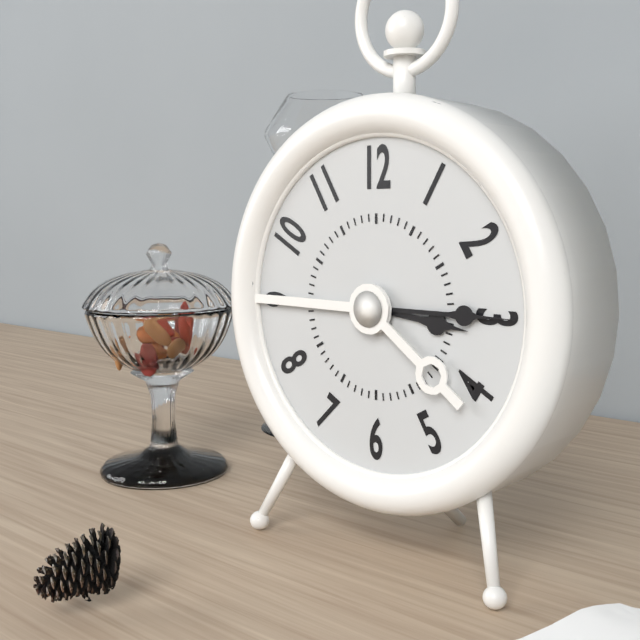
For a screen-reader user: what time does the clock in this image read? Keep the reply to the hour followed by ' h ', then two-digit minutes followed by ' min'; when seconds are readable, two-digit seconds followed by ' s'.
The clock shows 3 h 15 min
